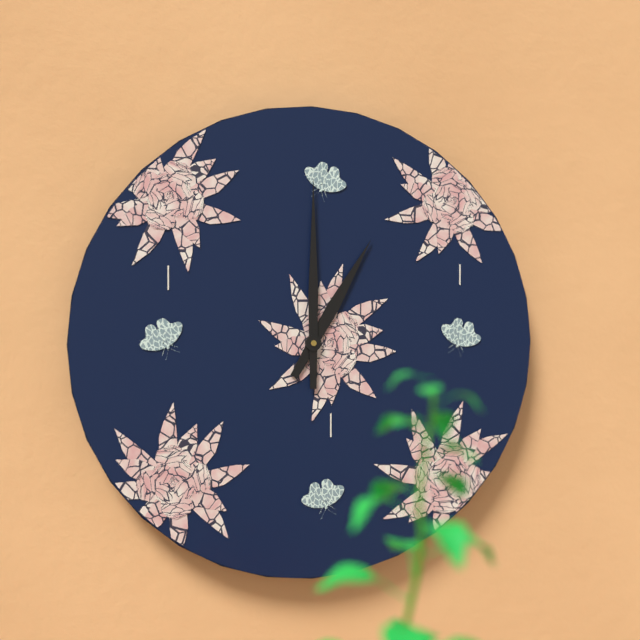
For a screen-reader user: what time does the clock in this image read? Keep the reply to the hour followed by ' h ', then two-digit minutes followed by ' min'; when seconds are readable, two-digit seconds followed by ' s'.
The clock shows 1 h 00 min
